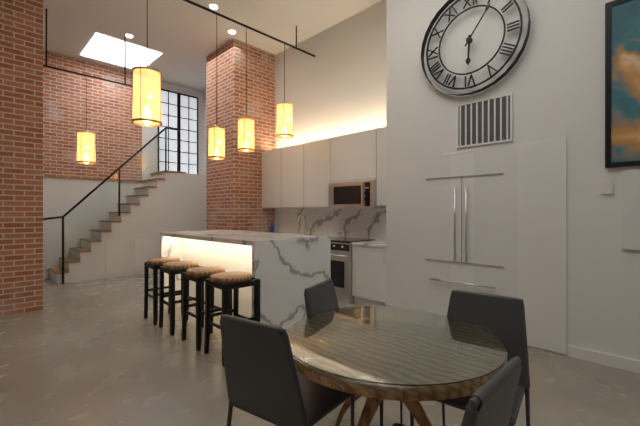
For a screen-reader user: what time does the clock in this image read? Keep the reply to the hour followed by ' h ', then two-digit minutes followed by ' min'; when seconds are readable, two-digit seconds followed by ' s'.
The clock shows 6 h 06 min
